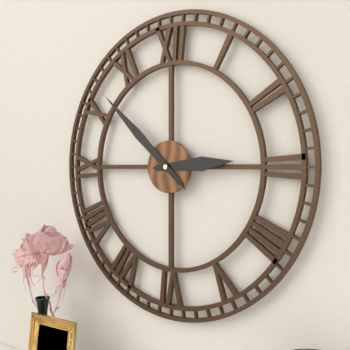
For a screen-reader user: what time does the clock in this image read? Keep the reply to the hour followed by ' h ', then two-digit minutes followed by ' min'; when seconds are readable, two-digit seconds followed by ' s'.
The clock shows 2 h 52 min
